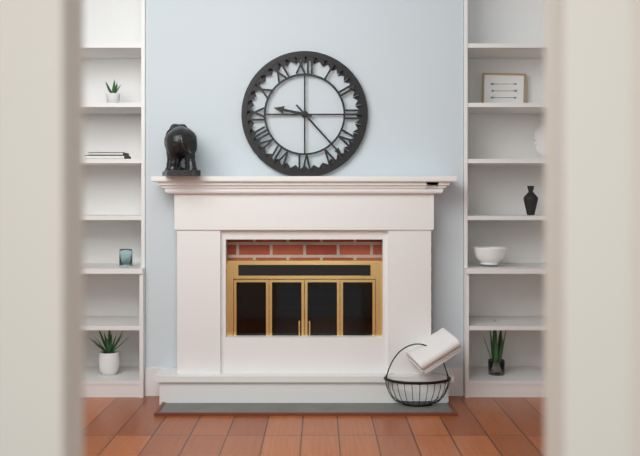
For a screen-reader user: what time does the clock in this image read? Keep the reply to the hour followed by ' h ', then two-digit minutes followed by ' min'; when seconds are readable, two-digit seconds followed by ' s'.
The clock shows 9 h 23 min
